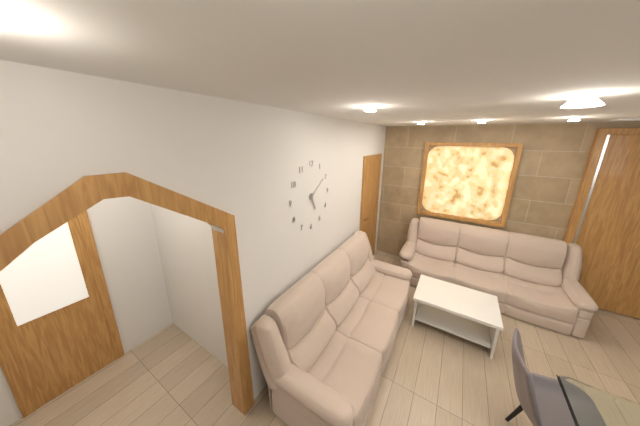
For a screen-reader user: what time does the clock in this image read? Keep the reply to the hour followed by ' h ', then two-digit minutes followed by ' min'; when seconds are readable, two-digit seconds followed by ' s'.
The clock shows 5 h 09 min
